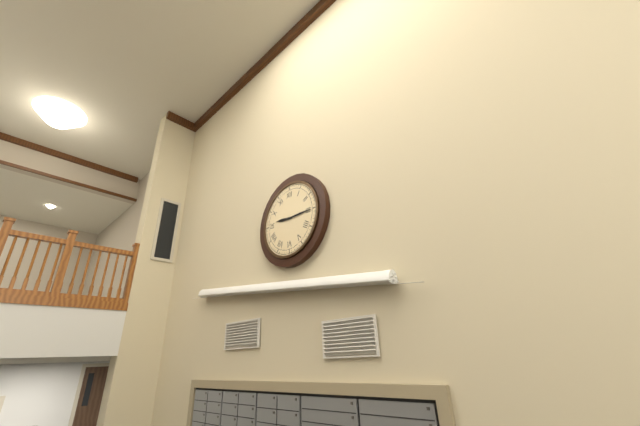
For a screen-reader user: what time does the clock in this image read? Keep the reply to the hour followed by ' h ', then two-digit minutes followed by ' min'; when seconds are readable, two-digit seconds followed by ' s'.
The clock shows 9 h 15 min
